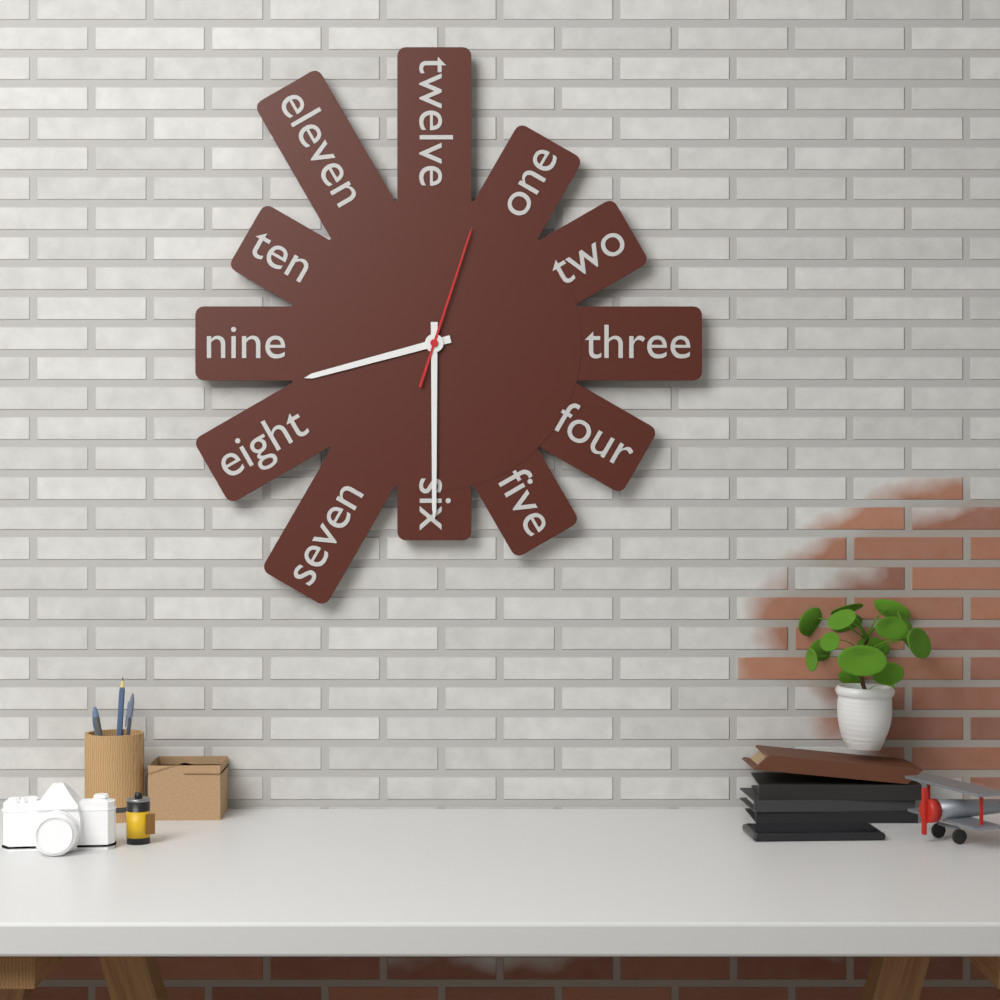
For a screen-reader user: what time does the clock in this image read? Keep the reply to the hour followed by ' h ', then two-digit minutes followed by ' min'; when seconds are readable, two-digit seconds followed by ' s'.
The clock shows 8 h 30 min 03 s
